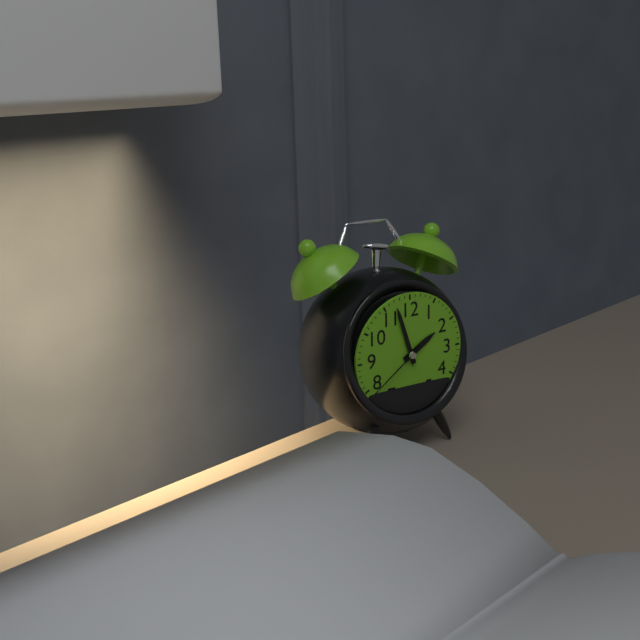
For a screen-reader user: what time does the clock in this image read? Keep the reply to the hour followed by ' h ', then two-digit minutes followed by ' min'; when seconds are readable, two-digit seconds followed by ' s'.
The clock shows 1 h 57 min 39 s
